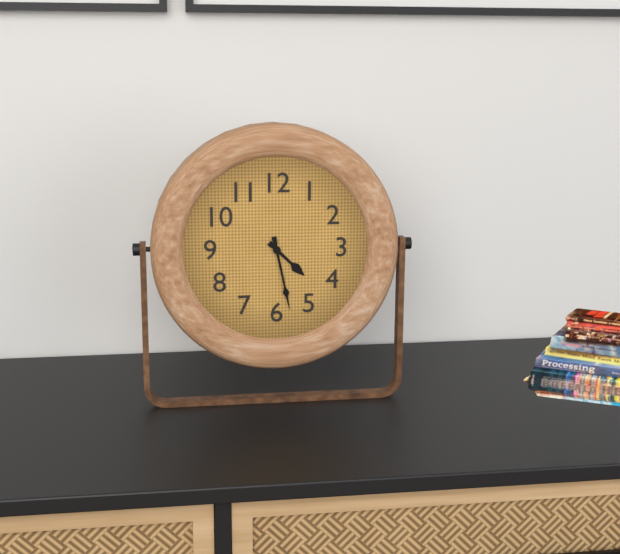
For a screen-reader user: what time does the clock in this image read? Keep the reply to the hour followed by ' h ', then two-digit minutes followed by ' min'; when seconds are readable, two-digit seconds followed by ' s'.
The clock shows 4 h 28 min
